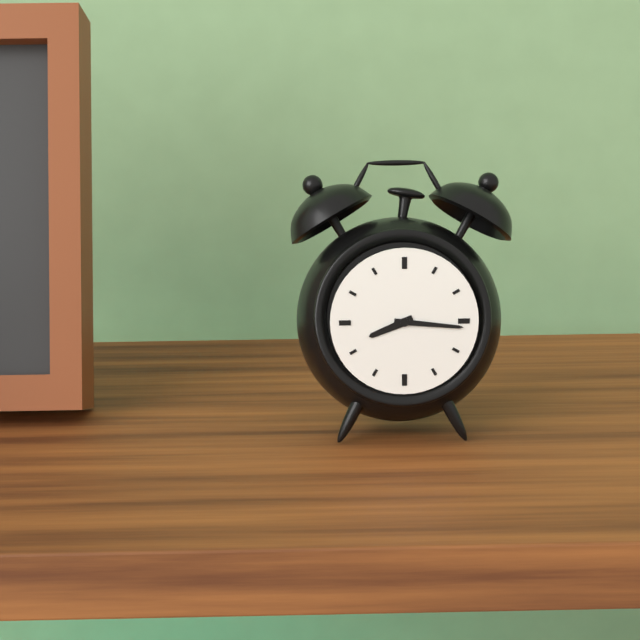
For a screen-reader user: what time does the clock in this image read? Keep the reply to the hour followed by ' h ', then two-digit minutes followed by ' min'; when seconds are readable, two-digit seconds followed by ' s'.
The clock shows 8 h 16 min
